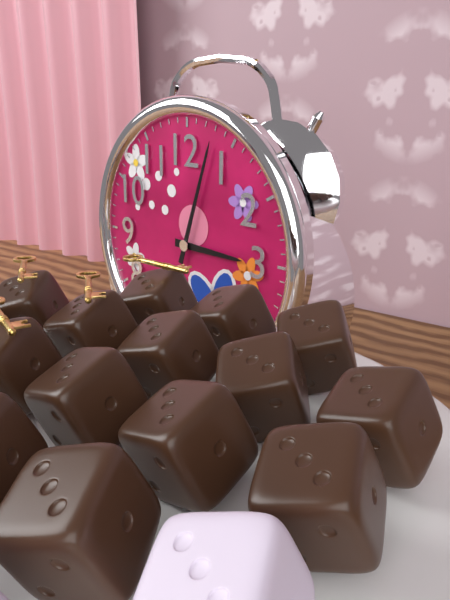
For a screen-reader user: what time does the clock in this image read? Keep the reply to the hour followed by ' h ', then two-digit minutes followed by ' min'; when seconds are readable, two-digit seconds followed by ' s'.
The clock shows 3 h 03 min
